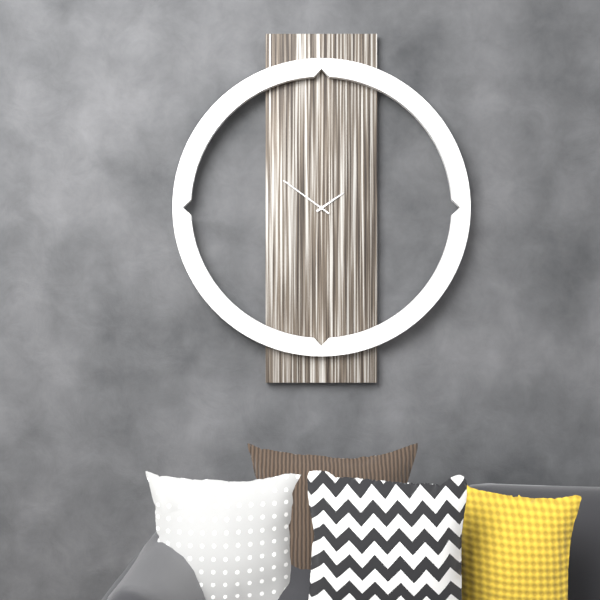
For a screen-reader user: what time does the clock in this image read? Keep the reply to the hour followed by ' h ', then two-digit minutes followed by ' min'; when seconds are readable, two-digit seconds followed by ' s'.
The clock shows 1 h 51 min
